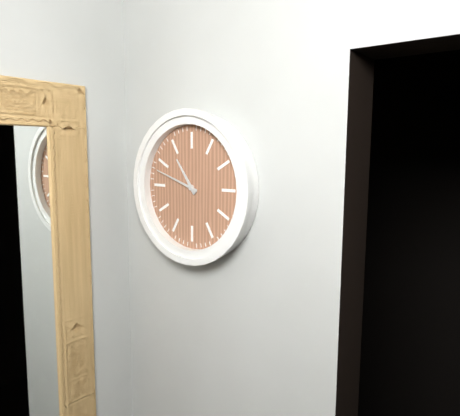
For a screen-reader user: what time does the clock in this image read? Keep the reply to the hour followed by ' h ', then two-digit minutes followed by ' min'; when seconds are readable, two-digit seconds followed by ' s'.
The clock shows 10 h 48 min
